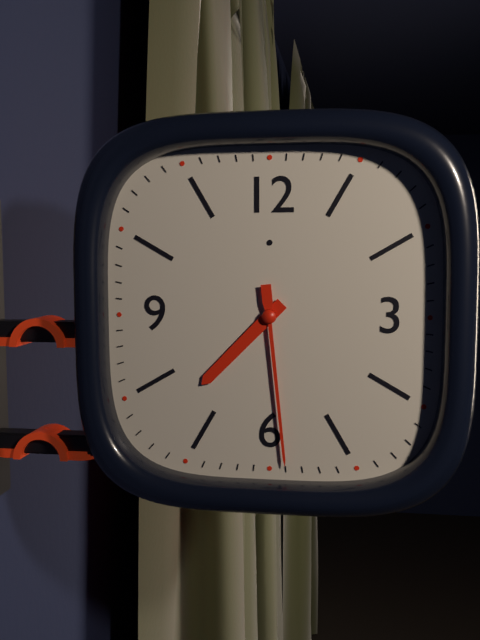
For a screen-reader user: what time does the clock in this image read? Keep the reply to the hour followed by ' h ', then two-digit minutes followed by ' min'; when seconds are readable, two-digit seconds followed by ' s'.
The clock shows 7 h 29 min
